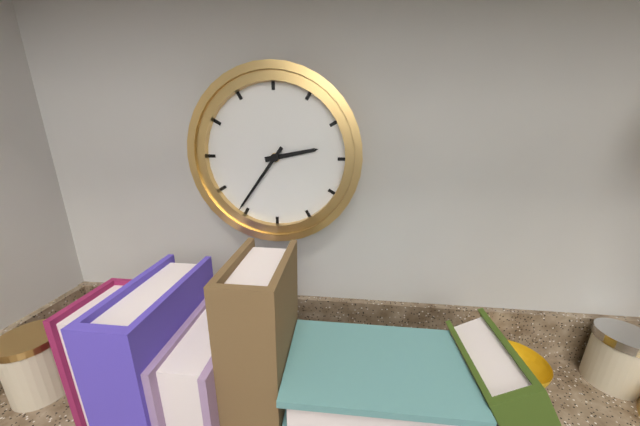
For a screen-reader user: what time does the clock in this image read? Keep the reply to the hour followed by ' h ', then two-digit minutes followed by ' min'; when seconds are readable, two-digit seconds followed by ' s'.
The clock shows 2 h 36 min
